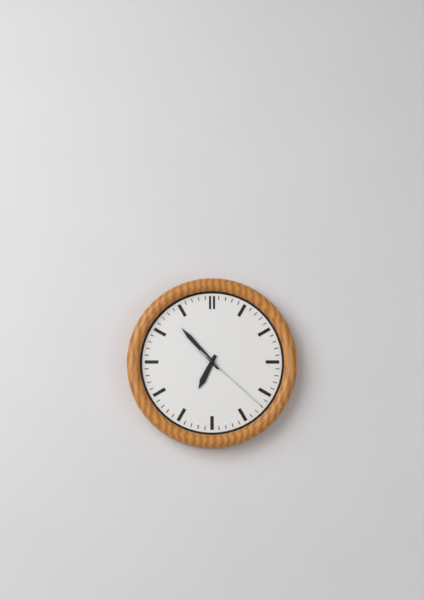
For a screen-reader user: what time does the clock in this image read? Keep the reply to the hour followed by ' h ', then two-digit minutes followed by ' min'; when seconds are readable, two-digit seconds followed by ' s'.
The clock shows 6 h 53 min 22 s
